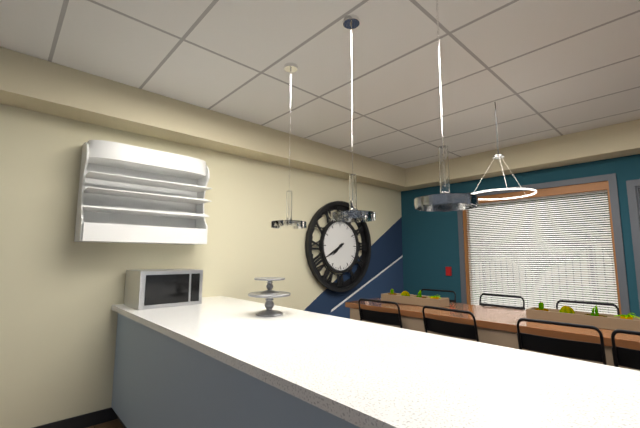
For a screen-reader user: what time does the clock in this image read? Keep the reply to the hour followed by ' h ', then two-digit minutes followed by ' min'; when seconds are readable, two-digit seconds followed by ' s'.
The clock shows 7 h 40 min
